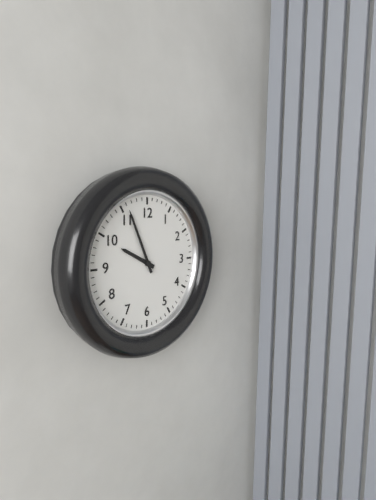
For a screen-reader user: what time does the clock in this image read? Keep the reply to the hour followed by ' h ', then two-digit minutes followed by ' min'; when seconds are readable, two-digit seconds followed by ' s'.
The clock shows 9 h 56 min
